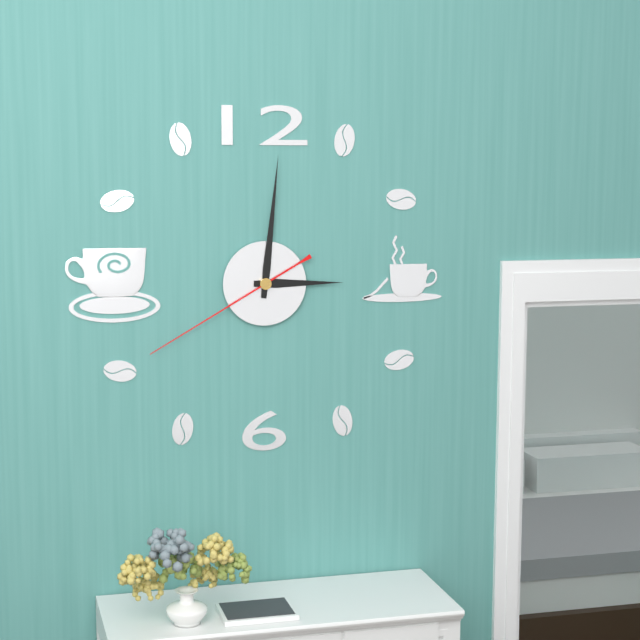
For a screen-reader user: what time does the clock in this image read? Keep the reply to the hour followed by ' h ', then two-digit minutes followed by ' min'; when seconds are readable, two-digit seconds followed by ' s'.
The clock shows 3 h 01 min 40 s
